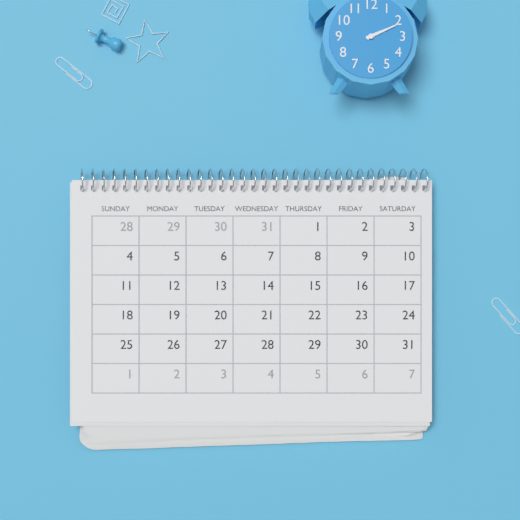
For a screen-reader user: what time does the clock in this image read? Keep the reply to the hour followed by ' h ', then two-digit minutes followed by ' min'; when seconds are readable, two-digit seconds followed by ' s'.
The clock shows 2 h 11 min
